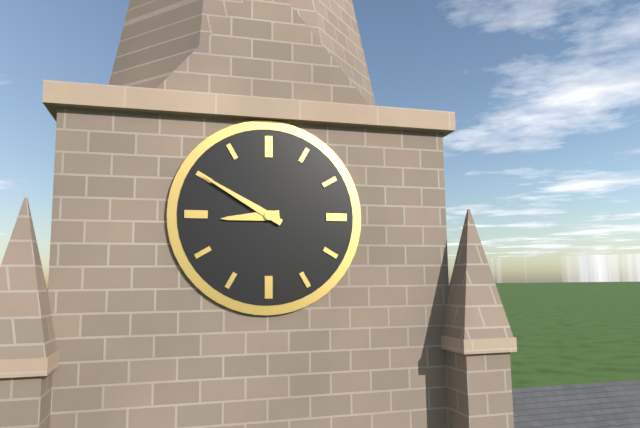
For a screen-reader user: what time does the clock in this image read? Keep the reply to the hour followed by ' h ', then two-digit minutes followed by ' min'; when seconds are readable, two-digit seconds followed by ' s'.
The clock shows 8 h 50 min
